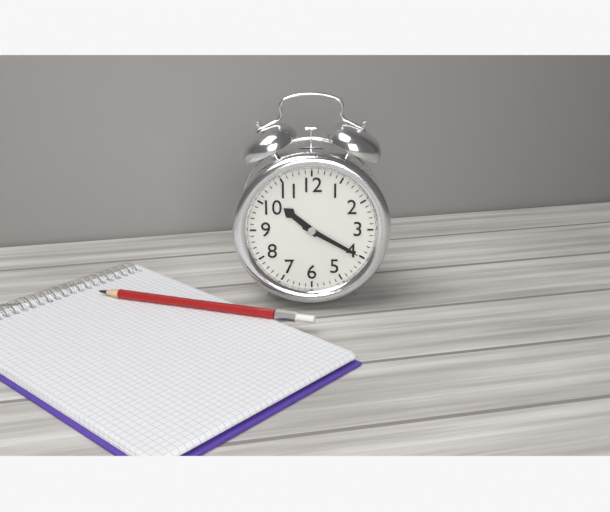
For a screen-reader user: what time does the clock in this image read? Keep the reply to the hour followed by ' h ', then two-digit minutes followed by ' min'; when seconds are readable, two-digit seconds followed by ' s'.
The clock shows 10 h 20 min
